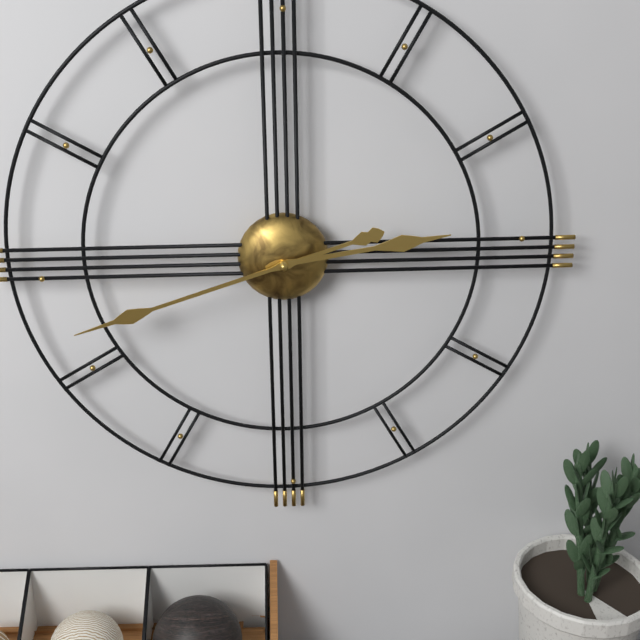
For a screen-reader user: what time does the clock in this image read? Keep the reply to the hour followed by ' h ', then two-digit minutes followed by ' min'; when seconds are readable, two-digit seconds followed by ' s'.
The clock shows 2 h 42 min
